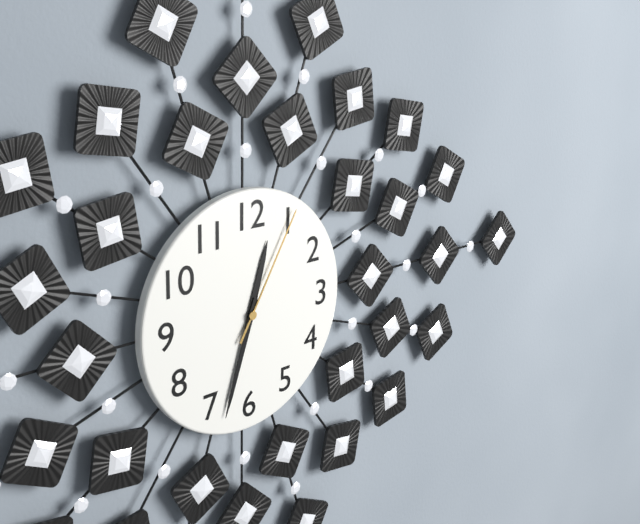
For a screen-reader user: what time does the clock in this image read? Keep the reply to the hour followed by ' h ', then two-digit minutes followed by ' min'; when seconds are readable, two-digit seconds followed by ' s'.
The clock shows 12 h 33 min 05 s
